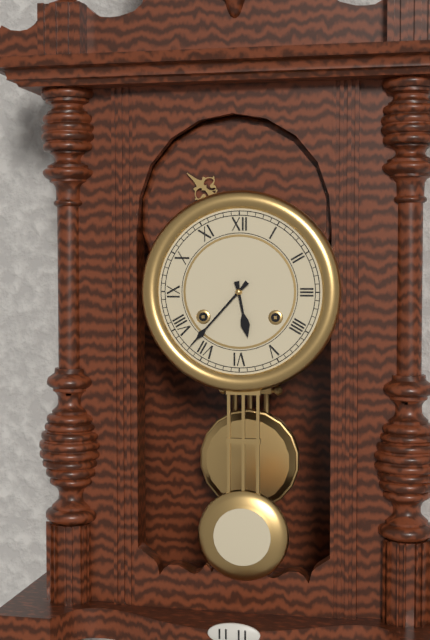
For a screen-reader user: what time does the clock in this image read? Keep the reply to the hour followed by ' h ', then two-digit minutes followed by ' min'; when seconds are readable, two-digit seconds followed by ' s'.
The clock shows 5 h 37 min
